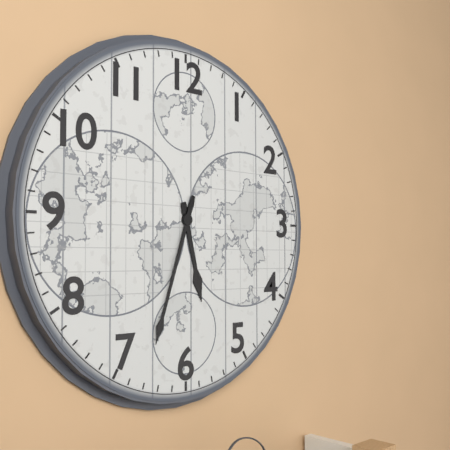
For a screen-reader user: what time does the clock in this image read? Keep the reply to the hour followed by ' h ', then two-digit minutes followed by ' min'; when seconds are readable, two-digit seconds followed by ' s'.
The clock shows 5 h 33 min
